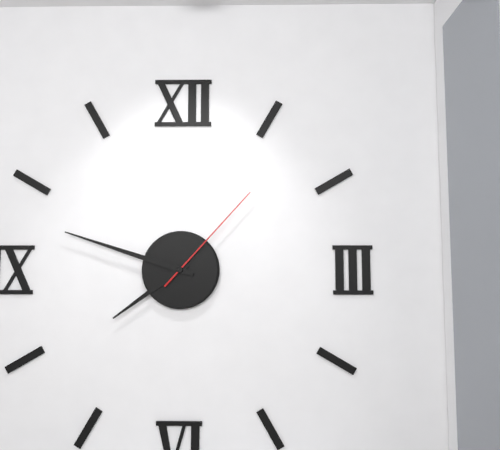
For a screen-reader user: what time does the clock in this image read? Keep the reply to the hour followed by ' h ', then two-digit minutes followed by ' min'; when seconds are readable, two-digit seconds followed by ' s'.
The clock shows 7 h 48 min 07 s
